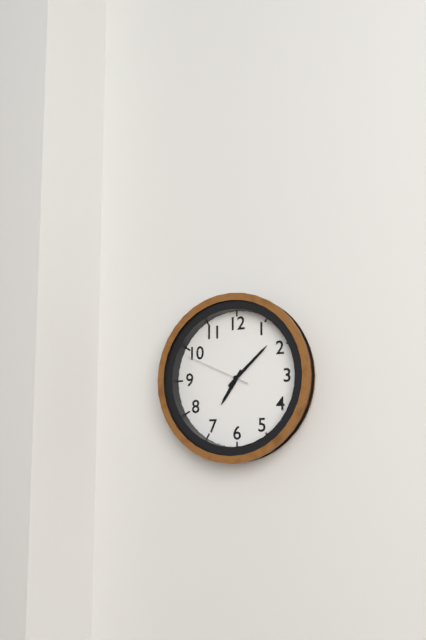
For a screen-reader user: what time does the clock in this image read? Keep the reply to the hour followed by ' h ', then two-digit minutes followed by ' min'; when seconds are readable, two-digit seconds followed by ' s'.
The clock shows 7 h 08 min 49 s
